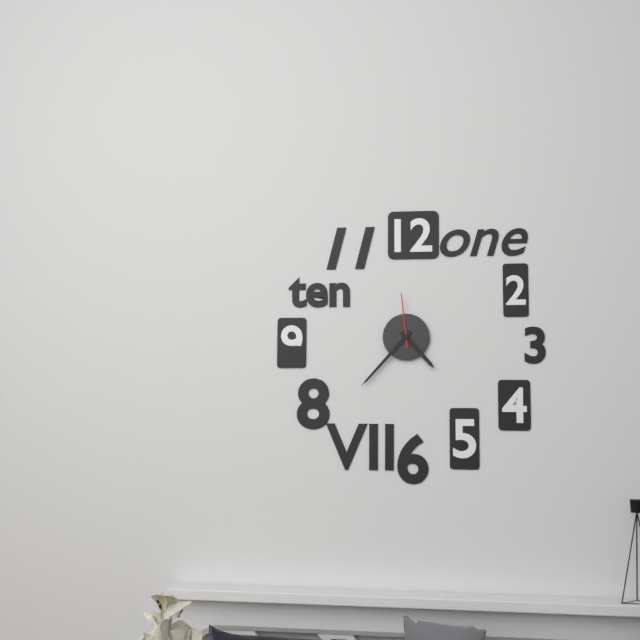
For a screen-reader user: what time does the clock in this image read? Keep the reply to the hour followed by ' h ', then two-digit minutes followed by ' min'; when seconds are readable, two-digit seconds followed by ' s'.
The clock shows 4 h 37 min 59 s
